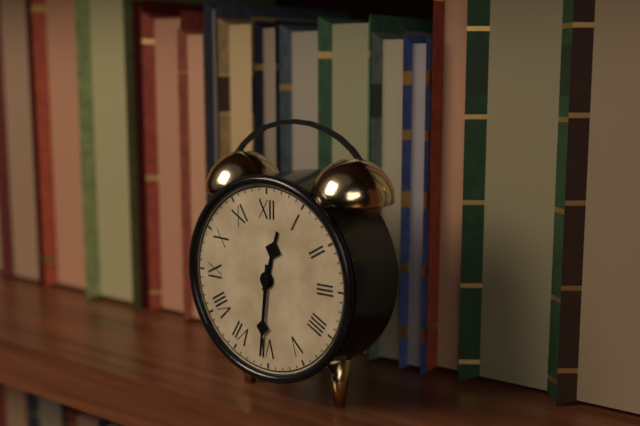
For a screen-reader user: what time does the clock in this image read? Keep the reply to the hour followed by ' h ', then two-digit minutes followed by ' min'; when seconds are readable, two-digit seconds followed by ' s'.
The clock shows 12 h 31 min
